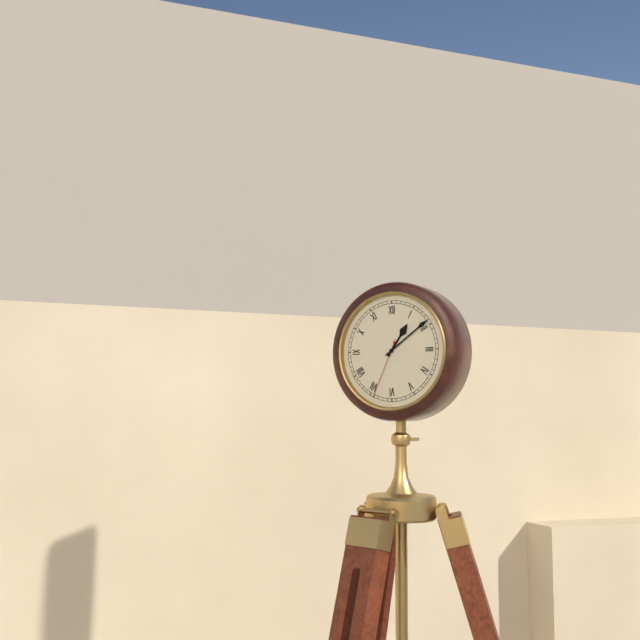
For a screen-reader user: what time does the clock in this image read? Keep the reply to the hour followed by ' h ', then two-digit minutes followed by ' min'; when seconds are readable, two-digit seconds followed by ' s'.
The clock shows 1 h 09 min 34 s
